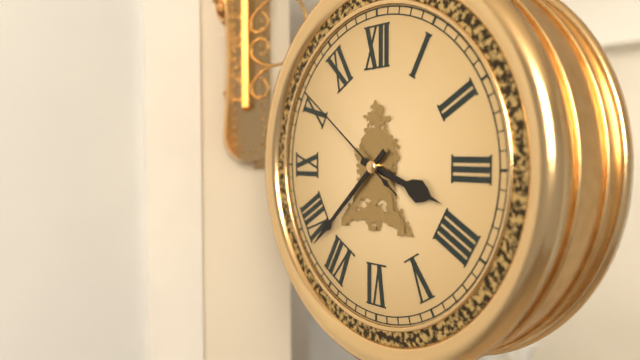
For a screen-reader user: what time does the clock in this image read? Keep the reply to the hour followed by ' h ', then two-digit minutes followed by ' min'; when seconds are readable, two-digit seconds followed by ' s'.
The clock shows 3 h 38 min 51 s
